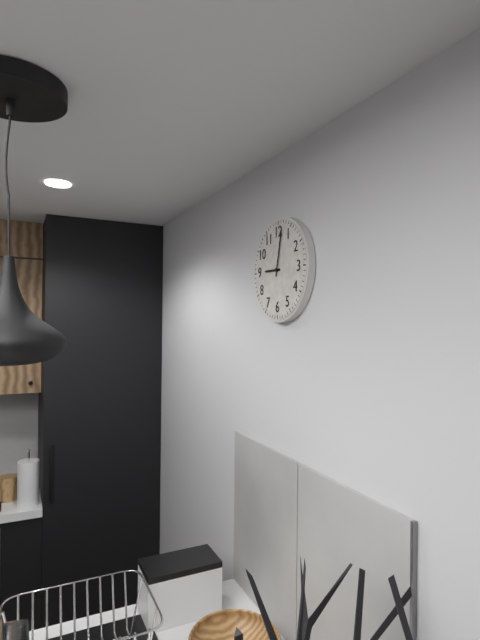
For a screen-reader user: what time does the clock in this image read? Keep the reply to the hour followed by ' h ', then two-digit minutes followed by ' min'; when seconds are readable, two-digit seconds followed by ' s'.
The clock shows 9 h 02 min
